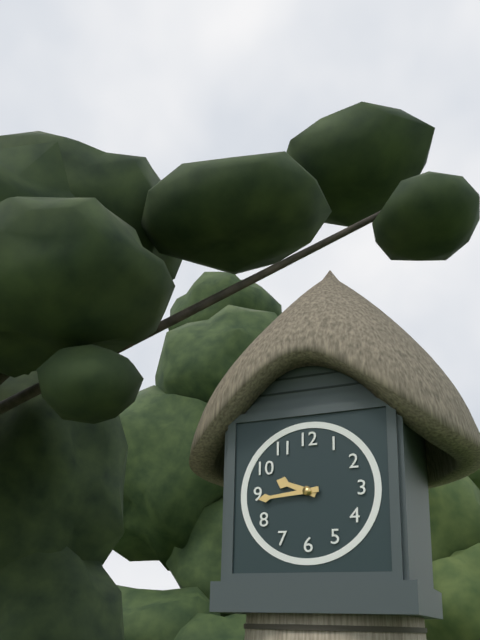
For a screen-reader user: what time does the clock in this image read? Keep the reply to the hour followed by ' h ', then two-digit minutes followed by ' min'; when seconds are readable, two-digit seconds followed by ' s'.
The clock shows 9 h 44 min
